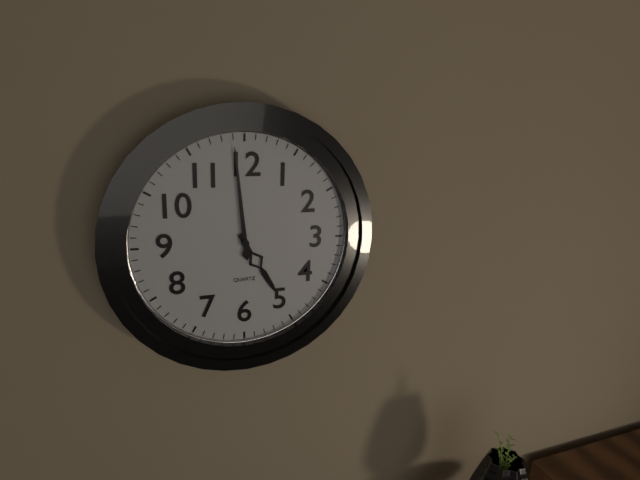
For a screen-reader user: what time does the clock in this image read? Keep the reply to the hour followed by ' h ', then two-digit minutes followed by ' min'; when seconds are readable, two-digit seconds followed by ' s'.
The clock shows 4 h 59 min
